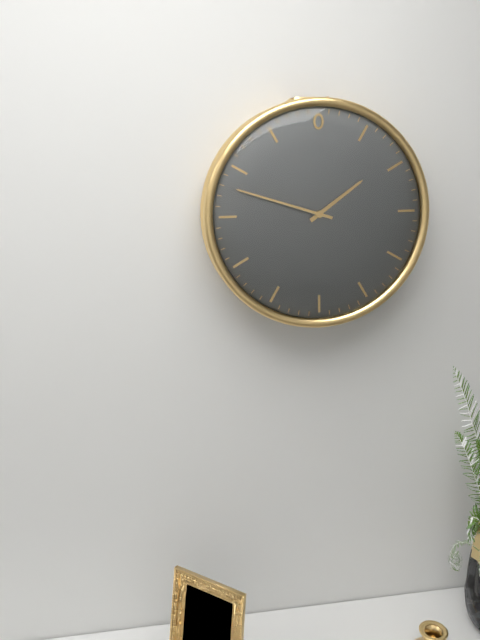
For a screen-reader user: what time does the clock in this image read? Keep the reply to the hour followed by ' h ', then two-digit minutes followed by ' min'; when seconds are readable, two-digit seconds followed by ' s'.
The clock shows 1 h 48 min
